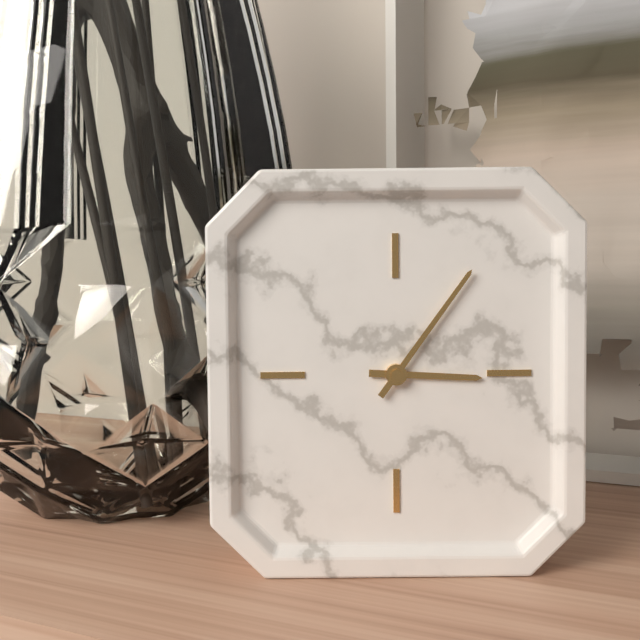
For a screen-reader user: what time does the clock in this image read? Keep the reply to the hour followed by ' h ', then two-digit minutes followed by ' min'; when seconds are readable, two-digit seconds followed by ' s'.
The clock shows 3 h 06 min
